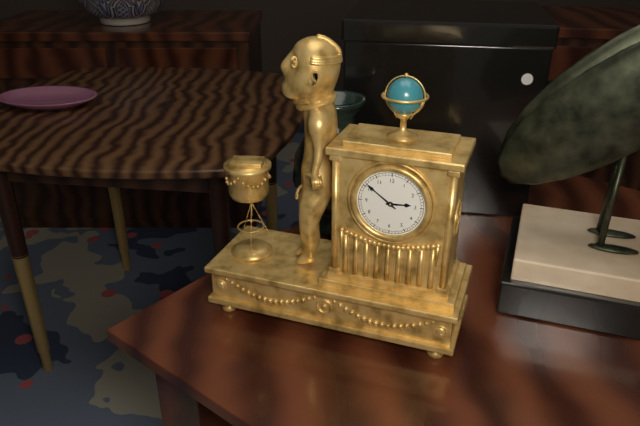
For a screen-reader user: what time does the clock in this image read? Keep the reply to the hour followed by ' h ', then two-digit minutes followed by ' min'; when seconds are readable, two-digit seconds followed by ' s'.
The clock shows 2 h 51 min
